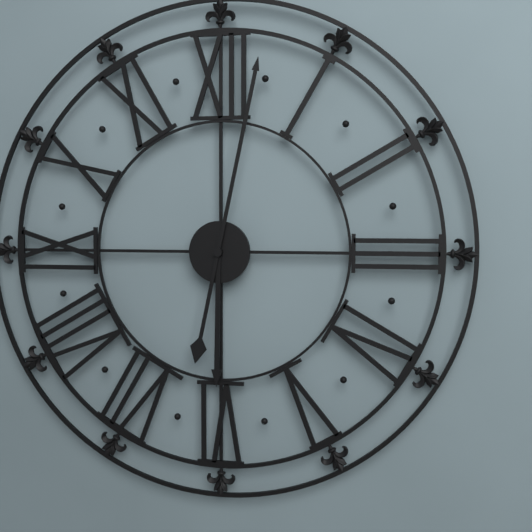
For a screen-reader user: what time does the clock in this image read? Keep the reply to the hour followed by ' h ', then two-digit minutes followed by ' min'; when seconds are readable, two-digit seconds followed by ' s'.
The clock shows 6 h 02 min
